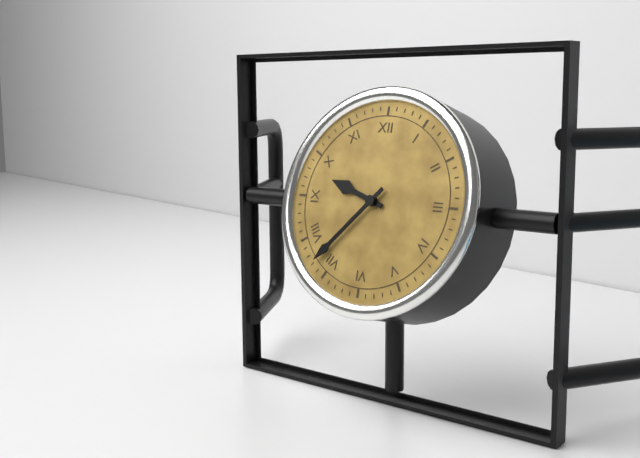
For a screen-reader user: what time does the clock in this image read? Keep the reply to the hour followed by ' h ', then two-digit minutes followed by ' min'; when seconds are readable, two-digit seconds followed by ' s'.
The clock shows 9 h 37 min
